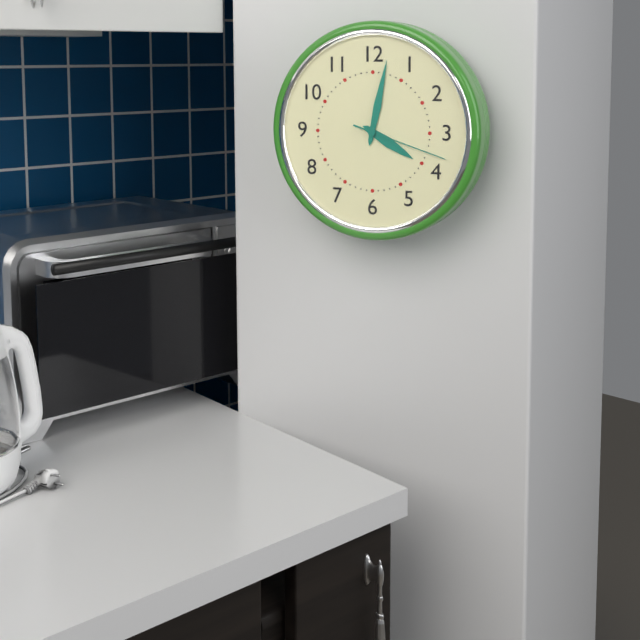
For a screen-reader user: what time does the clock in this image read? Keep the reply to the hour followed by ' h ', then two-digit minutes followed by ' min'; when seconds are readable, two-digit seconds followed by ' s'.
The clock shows 4 h 02 min 18 s
